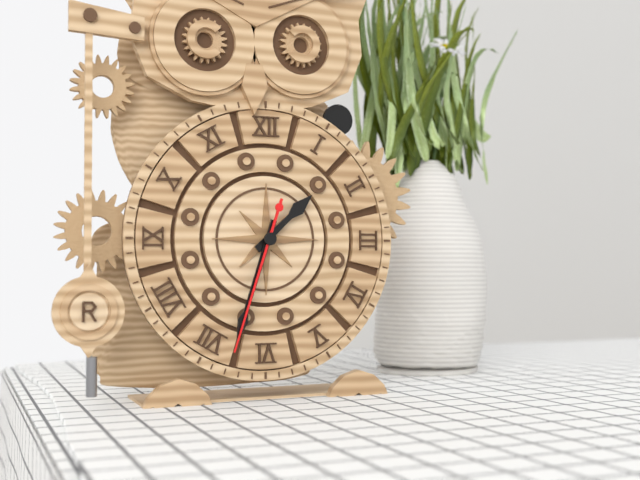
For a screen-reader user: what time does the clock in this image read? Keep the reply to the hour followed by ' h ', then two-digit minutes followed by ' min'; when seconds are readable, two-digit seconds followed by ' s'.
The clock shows 1 h 33 min 33 s
